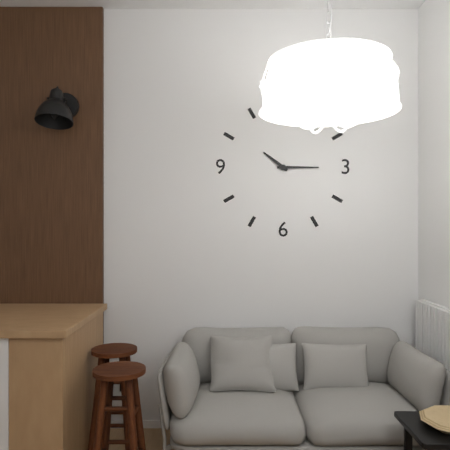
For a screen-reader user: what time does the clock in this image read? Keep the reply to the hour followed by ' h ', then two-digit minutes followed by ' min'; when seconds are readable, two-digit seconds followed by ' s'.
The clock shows 10 h 15 min
